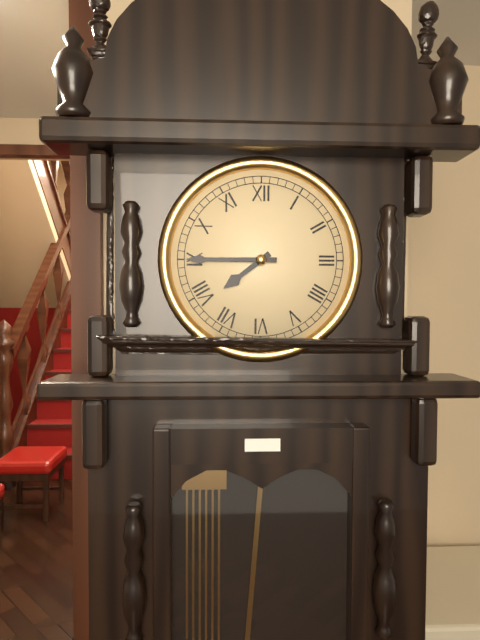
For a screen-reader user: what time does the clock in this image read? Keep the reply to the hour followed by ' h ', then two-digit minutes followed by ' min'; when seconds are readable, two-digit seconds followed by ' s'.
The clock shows 7 h 45 min
